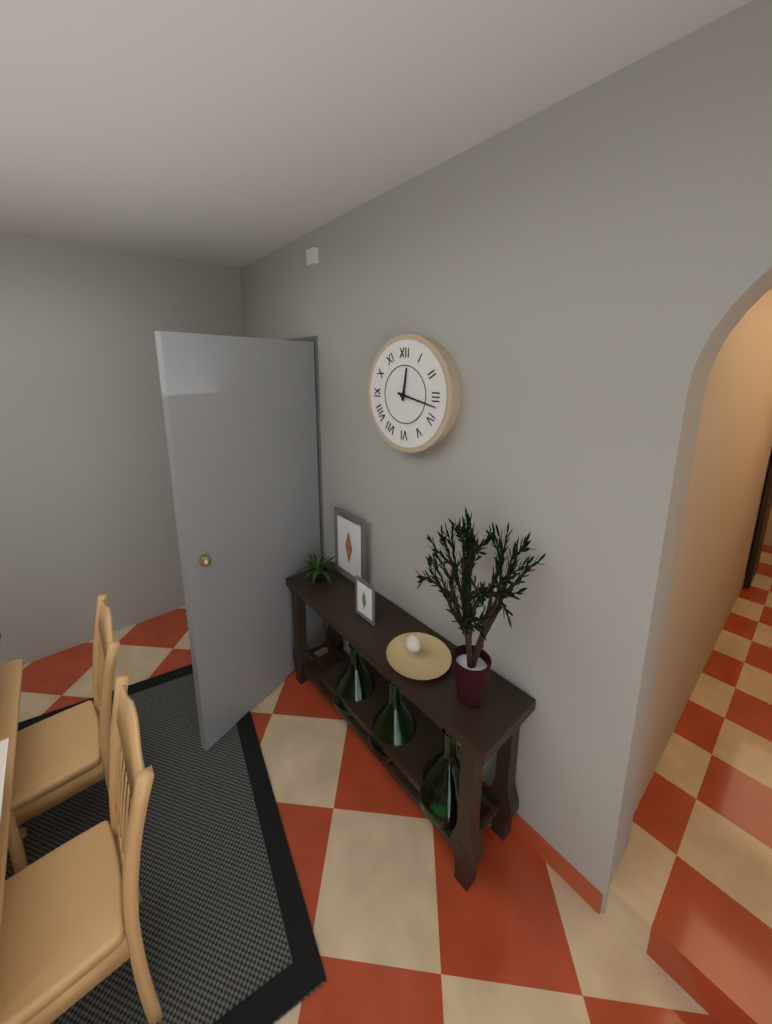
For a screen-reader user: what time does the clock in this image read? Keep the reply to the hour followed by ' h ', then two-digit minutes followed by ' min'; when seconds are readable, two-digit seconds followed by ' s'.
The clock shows 12 h 17 min
